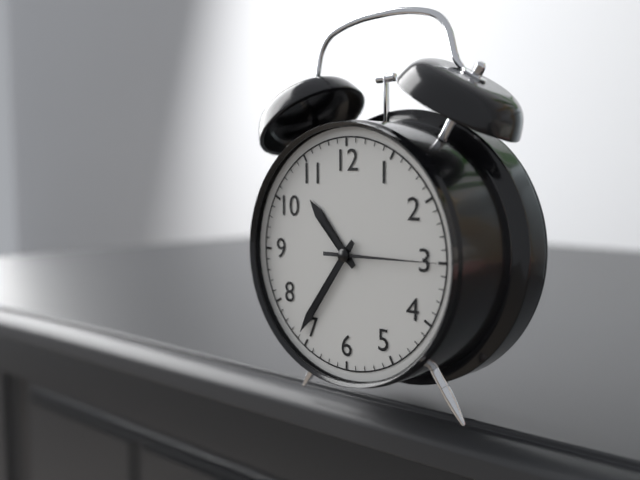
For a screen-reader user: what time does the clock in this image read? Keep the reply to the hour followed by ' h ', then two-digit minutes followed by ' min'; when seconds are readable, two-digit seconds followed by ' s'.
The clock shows 10 h 36 min 15 s
